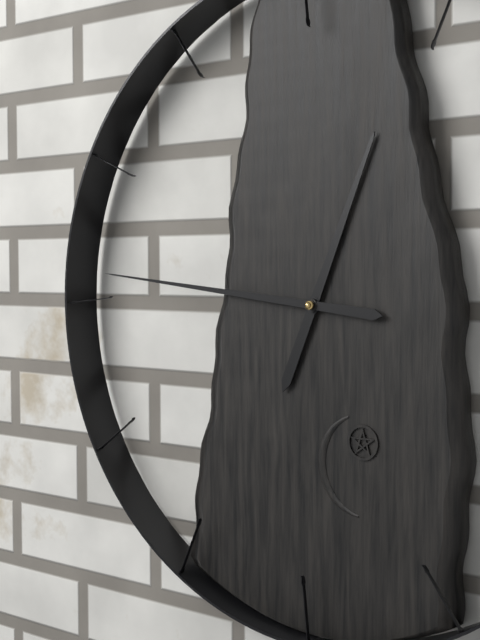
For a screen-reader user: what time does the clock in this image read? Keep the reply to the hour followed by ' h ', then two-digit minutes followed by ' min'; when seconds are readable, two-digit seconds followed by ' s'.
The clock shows 12 h 46 min
